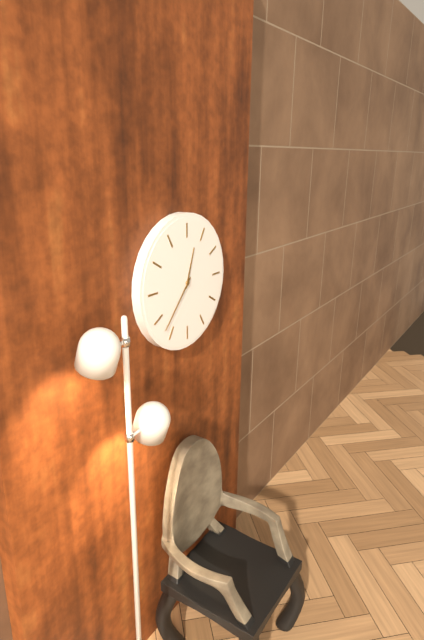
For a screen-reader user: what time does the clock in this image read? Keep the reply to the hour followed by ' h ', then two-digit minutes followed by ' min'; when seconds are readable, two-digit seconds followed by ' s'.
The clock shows 12 h 37 min
